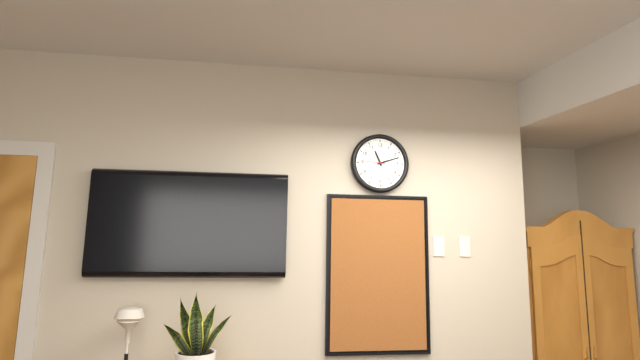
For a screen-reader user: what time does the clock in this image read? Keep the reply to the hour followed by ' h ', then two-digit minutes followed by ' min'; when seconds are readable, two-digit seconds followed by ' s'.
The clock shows 11 h 12 min
